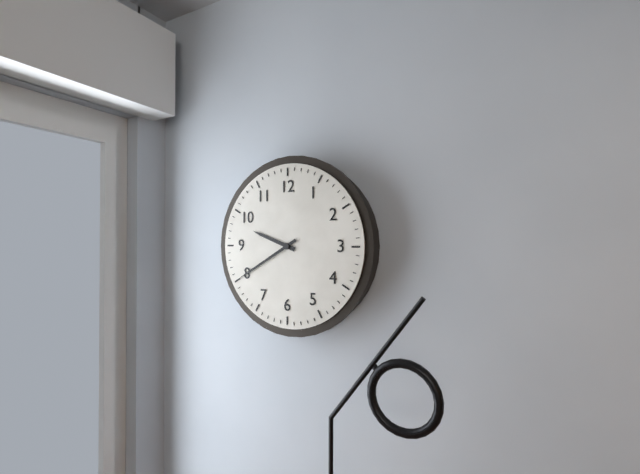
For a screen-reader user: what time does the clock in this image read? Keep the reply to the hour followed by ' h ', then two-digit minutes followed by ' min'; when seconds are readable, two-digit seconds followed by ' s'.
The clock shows 9 h 40 min
